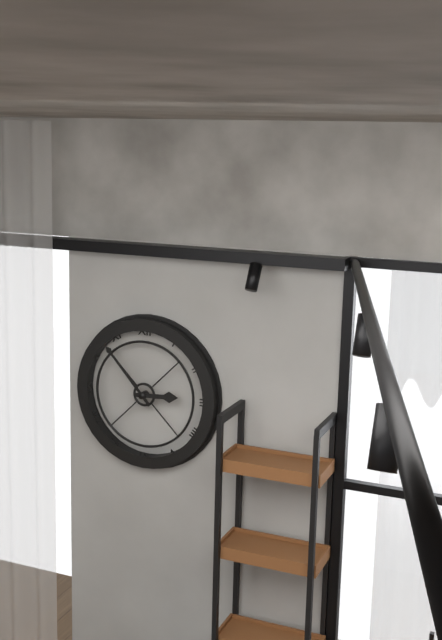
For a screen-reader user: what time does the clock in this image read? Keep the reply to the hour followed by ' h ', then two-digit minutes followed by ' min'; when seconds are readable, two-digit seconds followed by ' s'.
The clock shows 2 h 53 min
